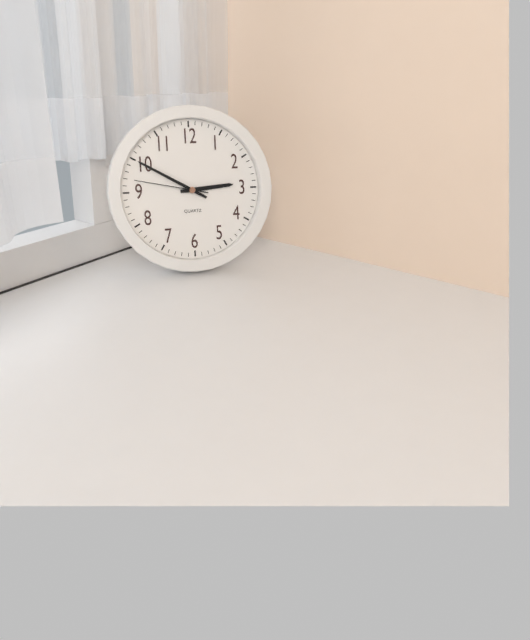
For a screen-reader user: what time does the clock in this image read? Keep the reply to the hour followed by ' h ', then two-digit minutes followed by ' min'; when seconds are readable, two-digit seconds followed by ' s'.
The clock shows 2 h 50 min 47 s
